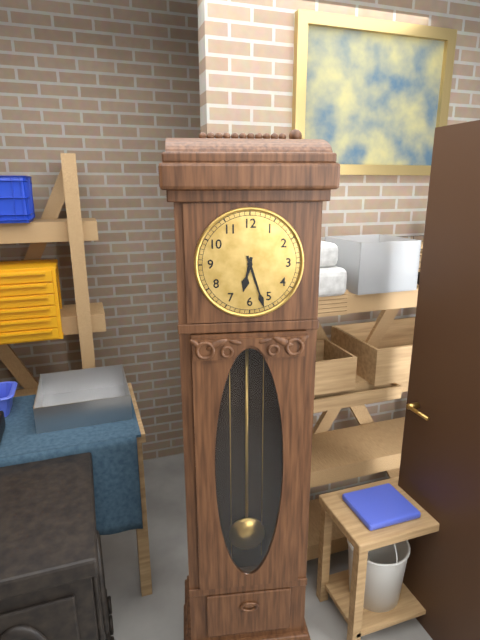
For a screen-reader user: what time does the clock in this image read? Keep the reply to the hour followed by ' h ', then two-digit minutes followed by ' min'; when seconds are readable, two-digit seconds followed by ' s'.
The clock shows 6 h 27 min
